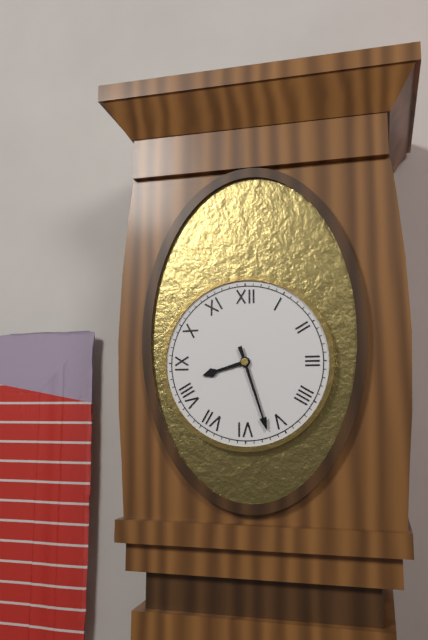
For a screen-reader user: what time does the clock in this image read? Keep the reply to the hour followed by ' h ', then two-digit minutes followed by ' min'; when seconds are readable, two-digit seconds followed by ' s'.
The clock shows 8 h 27 min
